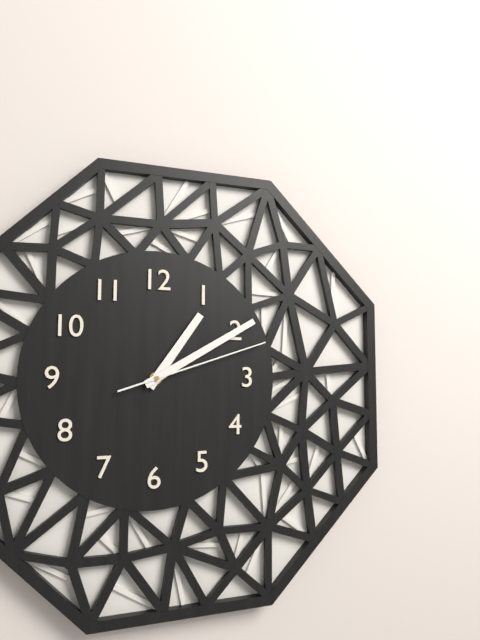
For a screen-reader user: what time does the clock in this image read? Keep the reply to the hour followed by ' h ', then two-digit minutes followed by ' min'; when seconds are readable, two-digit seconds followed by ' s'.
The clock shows 1 h 10 min 12 s
